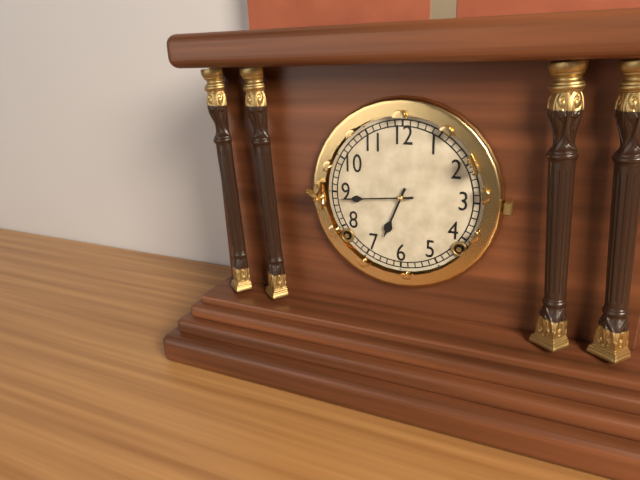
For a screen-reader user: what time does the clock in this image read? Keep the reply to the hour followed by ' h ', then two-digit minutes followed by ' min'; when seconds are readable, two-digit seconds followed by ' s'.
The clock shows 6 h 44 min
